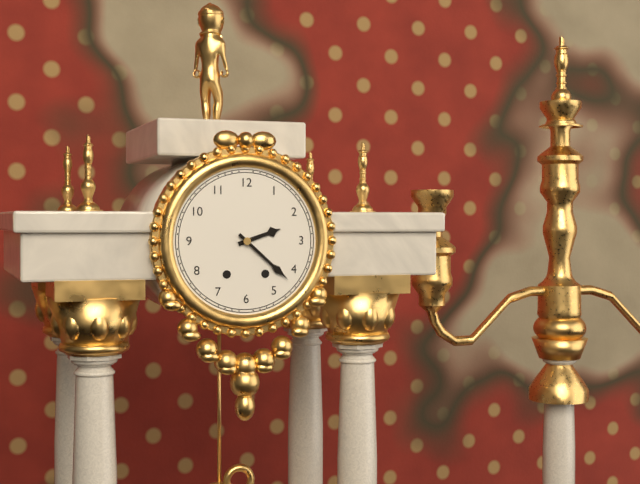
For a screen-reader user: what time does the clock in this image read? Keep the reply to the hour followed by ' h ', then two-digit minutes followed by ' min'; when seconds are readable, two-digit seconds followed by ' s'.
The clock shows 2 h 22 min
